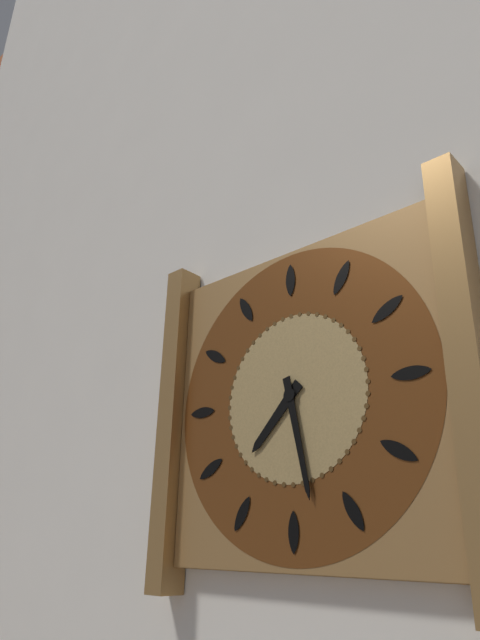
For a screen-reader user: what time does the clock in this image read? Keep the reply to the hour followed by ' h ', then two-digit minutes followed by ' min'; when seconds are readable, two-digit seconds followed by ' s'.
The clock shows 7 h 28 min
